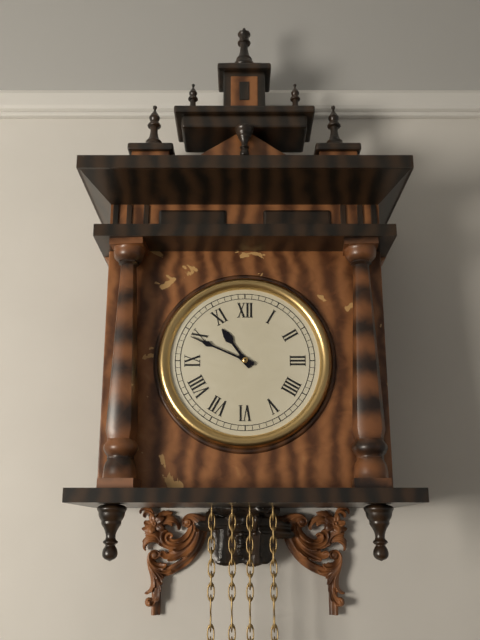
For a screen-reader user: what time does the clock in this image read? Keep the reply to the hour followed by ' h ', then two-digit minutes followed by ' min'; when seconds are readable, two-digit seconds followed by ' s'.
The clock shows 10 h 49 min
